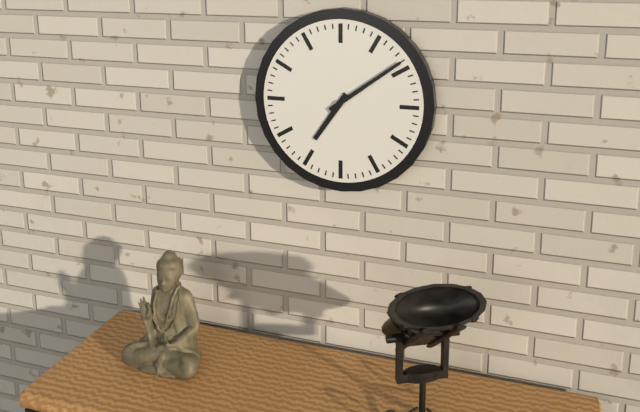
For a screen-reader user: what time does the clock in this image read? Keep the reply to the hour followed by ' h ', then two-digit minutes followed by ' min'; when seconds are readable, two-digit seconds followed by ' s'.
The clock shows 7 h 09 min
